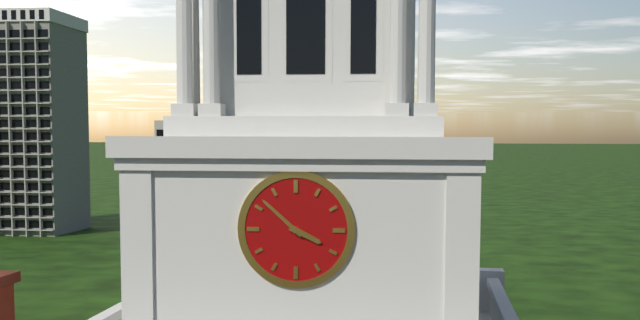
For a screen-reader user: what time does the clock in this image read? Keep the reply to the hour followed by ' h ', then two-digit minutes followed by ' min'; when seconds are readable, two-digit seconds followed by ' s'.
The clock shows 3 h 52 min
